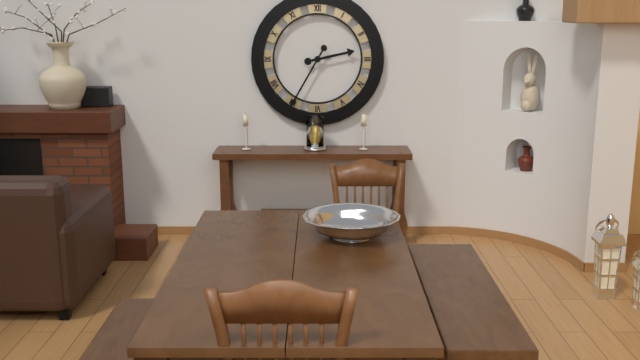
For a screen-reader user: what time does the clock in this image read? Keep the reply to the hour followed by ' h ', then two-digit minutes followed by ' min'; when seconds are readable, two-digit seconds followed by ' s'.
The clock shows 2 h 35 min
